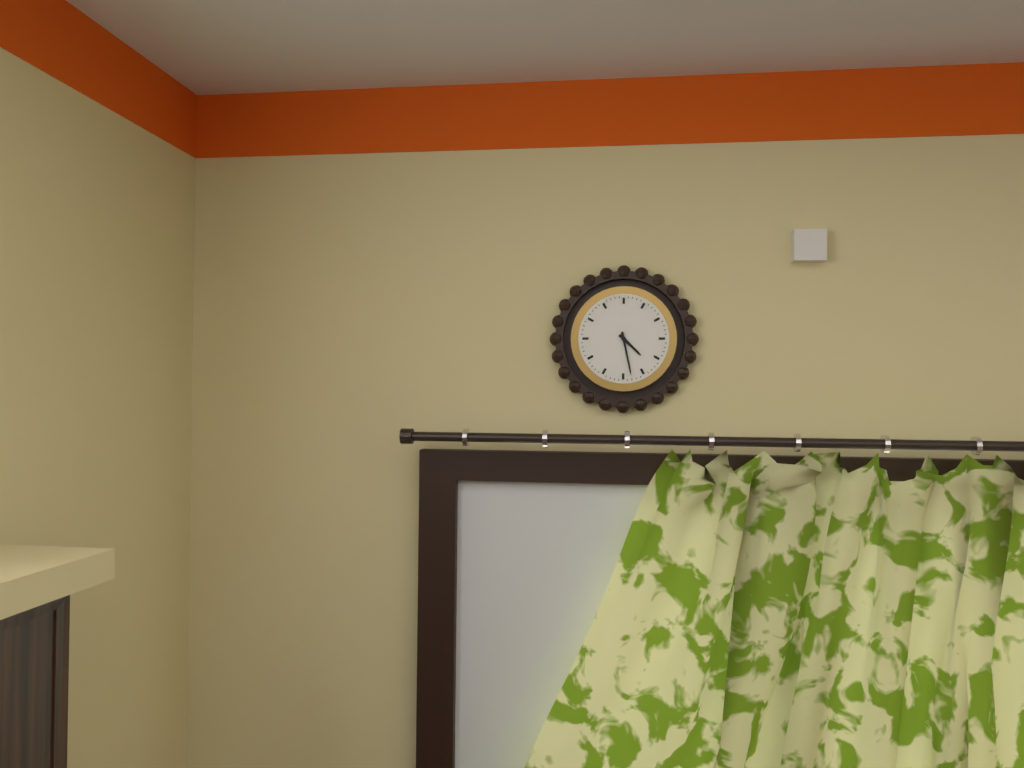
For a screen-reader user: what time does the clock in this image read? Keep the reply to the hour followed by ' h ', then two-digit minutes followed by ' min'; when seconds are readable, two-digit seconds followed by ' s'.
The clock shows 4 h 28 min
